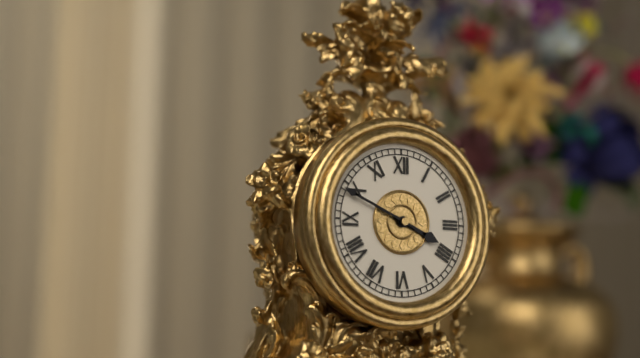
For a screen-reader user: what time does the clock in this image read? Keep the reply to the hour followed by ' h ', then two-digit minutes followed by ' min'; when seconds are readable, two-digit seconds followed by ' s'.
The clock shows 3 h 49 min
